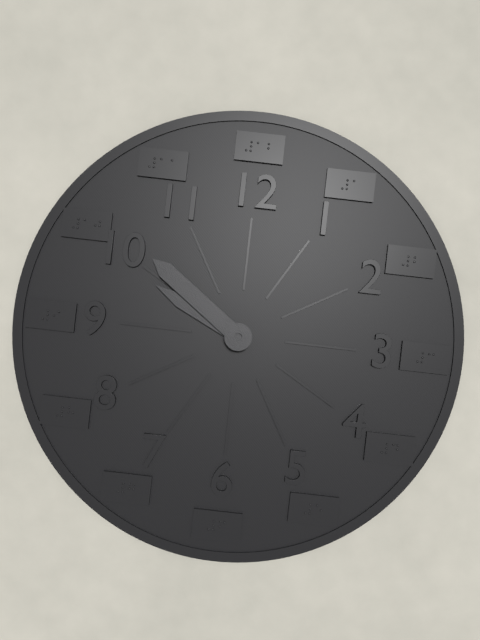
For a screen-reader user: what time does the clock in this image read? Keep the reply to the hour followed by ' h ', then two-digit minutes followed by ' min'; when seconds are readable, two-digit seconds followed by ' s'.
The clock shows 9 h 51 min
